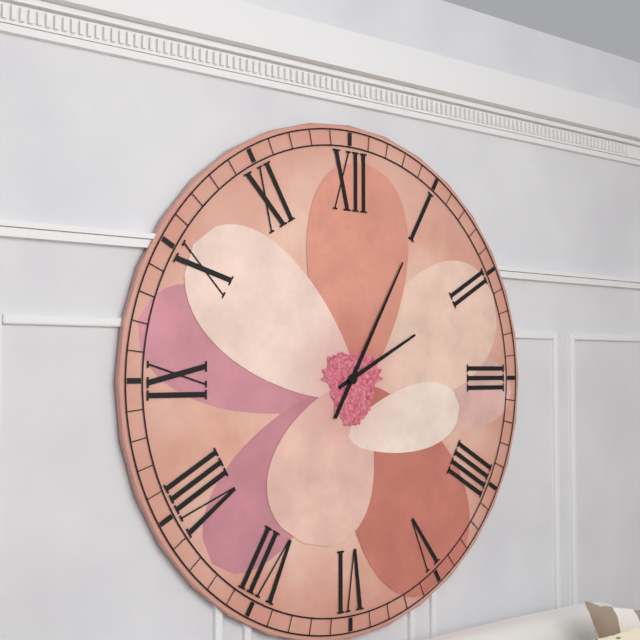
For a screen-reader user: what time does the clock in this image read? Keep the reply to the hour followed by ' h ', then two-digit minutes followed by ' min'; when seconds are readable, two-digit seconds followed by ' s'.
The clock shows 2 h 05 min
